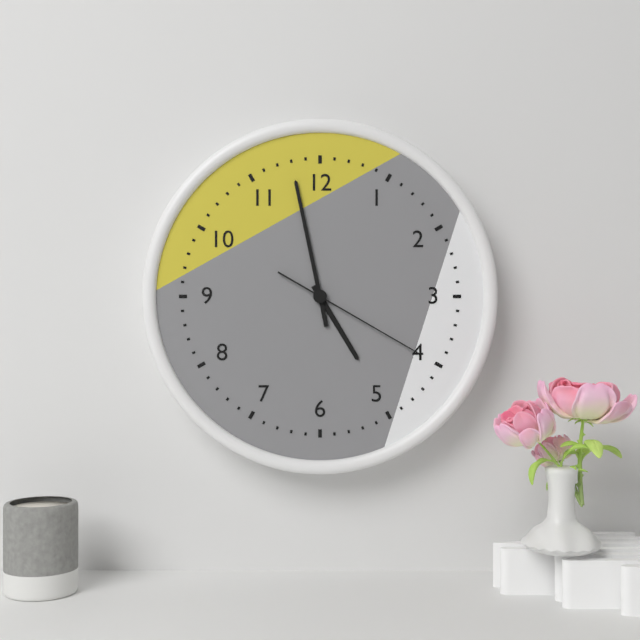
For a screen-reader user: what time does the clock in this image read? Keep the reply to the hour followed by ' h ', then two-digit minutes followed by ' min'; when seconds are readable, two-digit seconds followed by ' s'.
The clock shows 4 h 58 min 20 s
